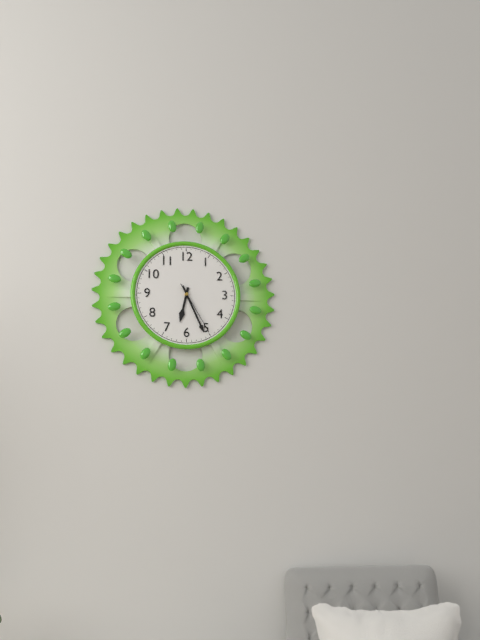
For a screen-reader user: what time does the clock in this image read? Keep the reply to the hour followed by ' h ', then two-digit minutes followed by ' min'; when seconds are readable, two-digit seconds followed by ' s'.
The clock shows 6 h 26 min 25 s
